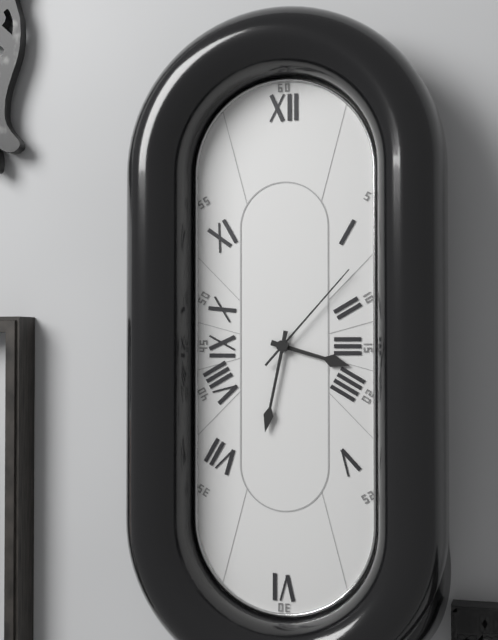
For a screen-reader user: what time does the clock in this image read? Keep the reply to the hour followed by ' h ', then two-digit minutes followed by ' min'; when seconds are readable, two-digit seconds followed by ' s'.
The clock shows 3 h 32 min 07 s
